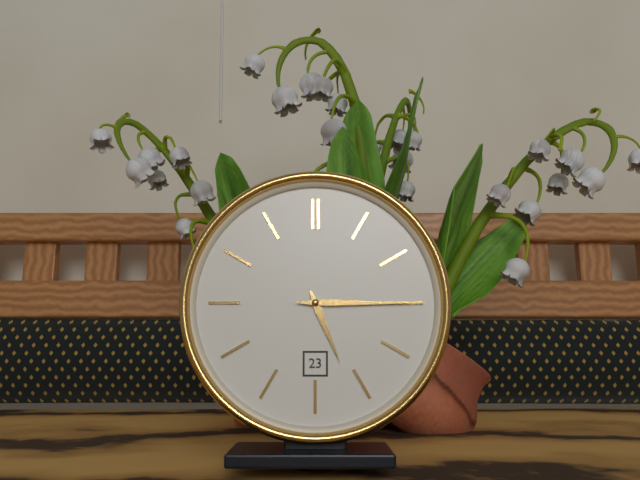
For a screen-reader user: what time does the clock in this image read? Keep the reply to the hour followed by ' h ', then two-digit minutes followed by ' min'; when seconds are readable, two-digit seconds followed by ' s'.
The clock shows 5 h 15 min
